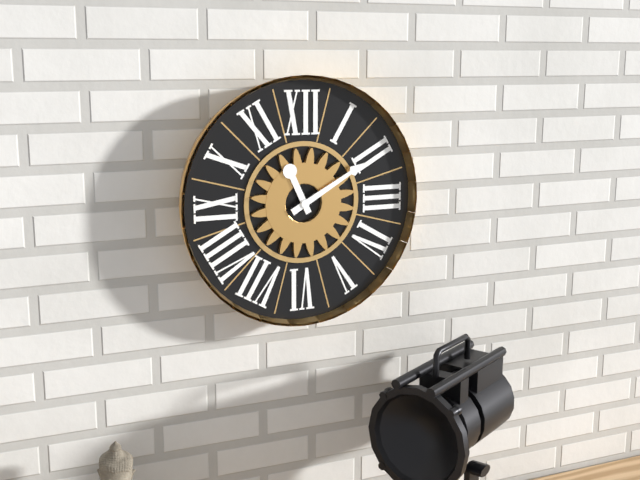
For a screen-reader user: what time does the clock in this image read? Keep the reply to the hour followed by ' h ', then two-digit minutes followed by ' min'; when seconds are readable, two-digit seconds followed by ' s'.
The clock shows 11 h 10 min
